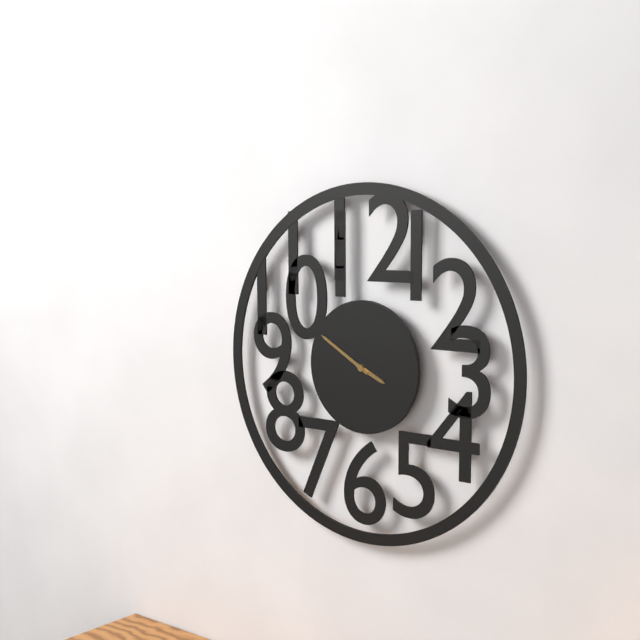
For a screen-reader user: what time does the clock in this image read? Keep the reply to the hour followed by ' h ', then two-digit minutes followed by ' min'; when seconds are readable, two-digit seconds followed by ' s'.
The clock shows 3 h 50 min
